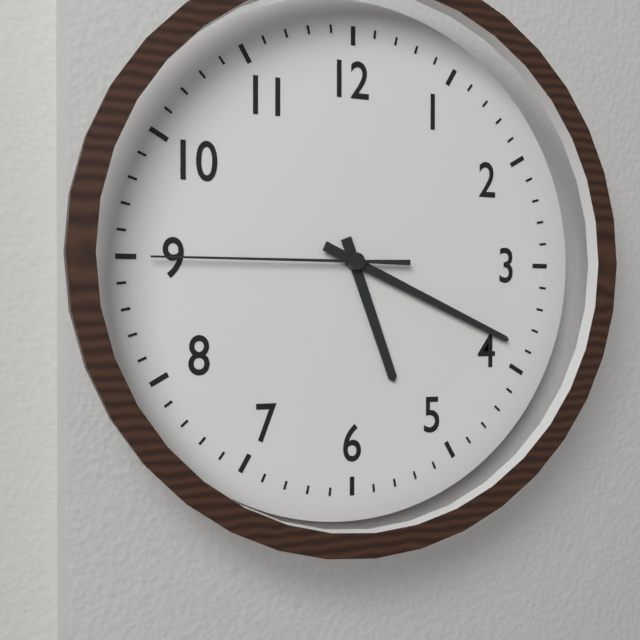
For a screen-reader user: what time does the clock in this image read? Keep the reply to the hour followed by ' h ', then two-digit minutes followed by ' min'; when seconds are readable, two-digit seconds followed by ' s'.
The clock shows 5 h 19 min 45 s
